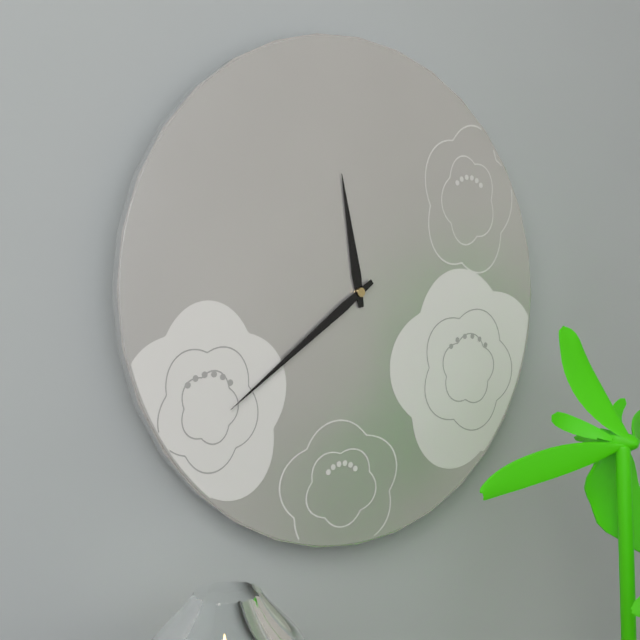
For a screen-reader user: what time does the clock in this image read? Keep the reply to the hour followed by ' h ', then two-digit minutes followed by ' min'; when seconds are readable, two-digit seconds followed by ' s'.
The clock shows 11 h 39 min
